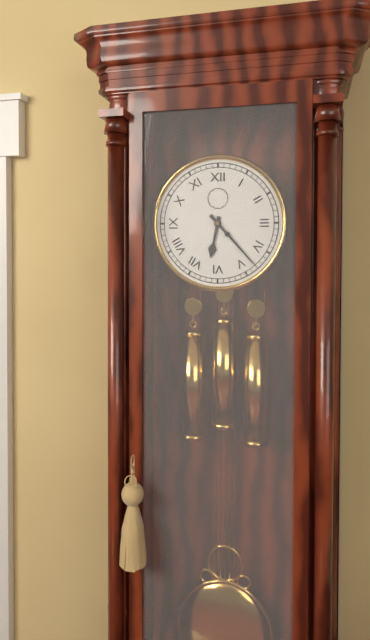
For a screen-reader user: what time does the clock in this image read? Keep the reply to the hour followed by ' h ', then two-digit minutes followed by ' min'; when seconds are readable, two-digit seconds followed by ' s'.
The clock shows 6 h 23 min
